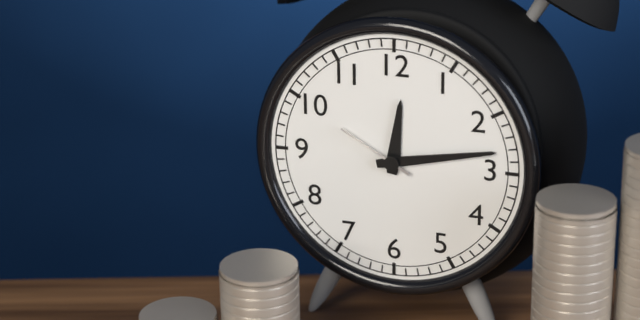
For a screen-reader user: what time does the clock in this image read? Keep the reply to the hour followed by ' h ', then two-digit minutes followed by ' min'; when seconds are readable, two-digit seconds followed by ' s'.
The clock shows 12 h 13 min 50 s
